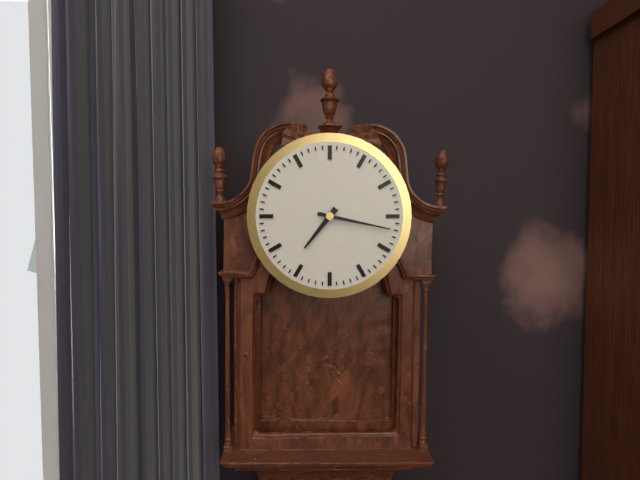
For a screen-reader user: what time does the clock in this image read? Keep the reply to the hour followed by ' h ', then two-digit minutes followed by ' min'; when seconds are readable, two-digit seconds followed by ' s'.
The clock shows 7 h 17 min
